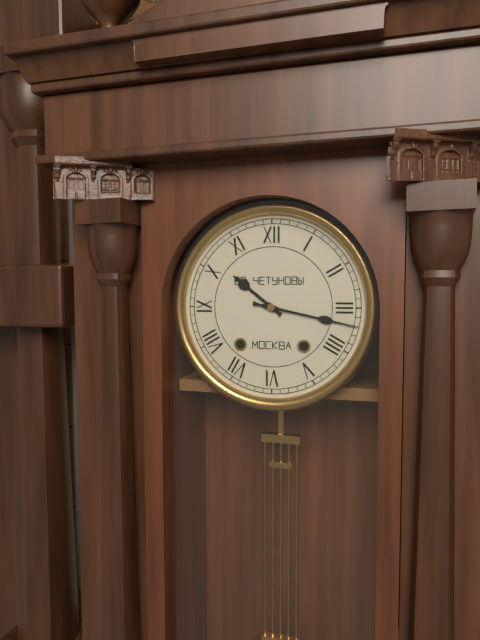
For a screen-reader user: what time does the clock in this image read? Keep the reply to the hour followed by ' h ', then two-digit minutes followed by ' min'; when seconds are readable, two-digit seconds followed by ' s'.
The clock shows 10 h 17 min
